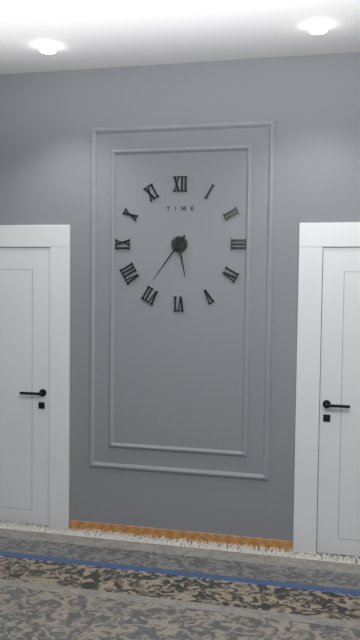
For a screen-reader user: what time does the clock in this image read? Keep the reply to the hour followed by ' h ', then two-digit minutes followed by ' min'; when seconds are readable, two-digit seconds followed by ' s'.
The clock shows 5 h 36 min
